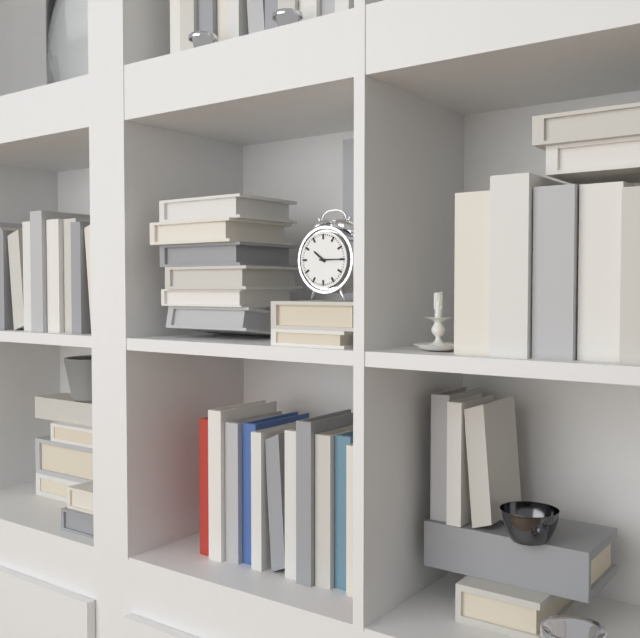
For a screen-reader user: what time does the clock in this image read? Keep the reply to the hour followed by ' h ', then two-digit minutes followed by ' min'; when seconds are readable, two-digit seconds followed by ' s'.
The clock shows 10 h 15 min
